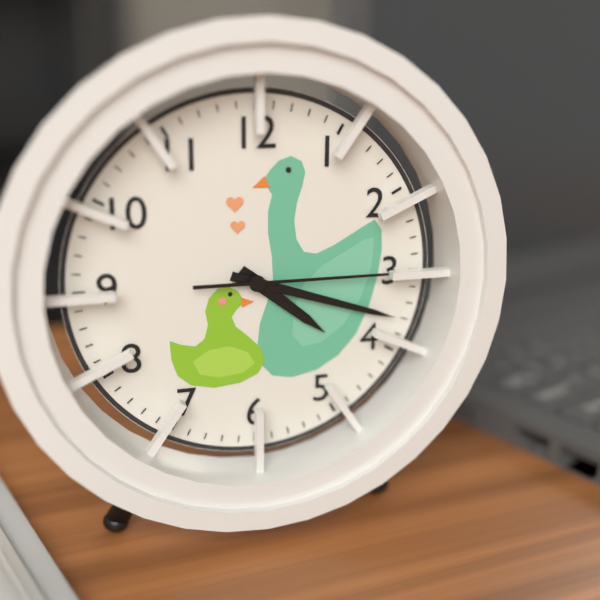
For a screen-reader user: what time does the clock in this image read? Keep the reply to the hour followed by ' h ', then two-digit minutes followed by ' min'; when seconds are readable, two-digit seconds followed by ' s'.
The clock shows 4 h 18 min 15 s
